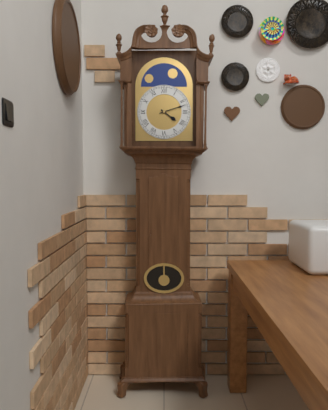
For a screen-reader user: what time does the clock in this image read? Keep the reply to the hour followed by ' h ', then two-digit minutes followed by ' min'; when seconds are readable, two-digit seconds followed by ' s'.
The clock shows 4 h 12 min
